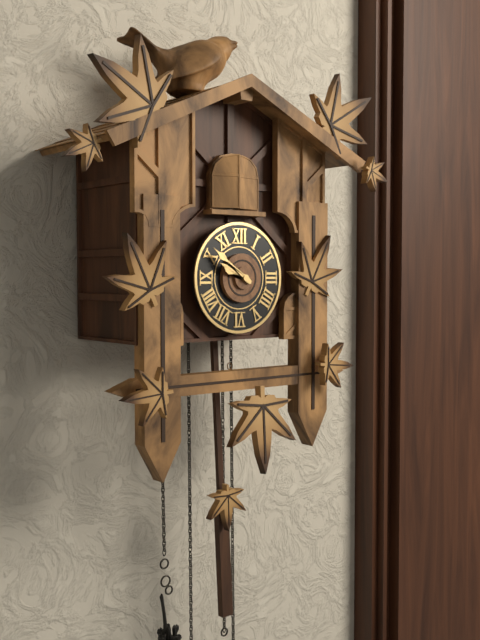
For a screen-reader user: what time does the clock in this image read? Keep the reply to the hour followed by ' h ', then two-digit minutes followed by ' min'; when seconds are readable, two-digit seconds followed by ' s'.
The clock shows 9 h 51 min
